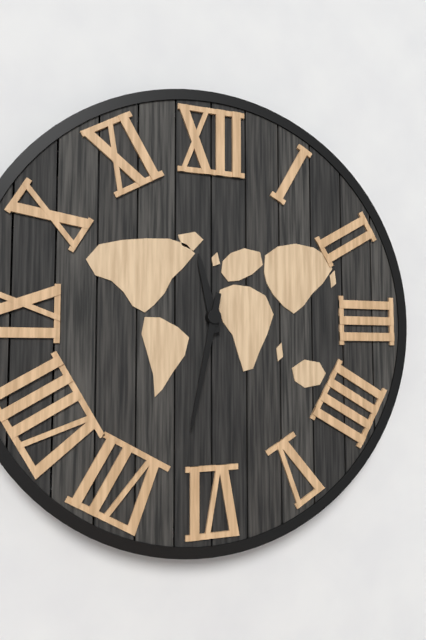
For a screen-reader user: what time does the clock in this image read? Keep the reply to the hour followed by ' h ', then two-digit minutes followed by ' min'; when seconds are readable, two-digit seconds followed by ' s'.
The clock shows 11 h 32 min
